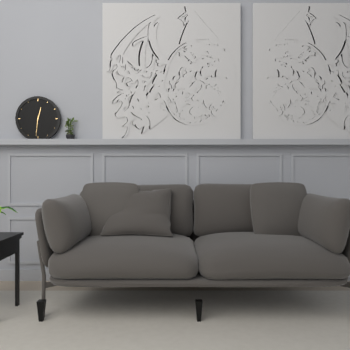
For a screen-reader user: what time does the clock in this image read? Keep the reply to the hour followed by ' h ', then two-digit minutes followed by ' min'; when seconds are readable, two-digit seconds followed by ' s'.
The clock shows 12 h 31 min
